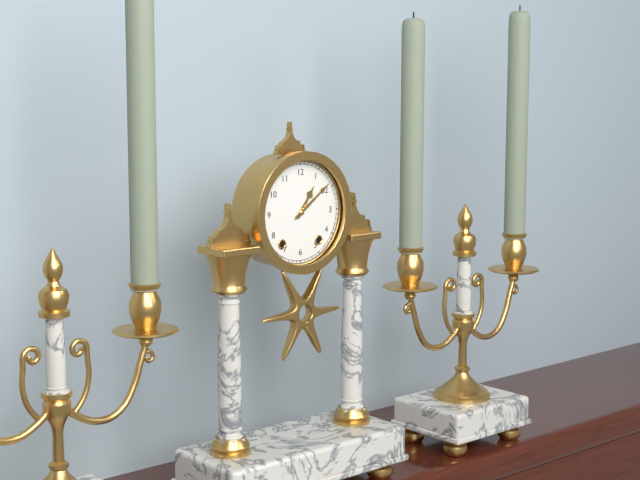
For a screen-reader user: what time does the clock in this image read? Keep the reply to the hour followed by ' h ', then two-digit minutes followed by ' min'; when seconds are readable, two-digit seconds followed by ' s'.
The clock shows 1 h 09 min
